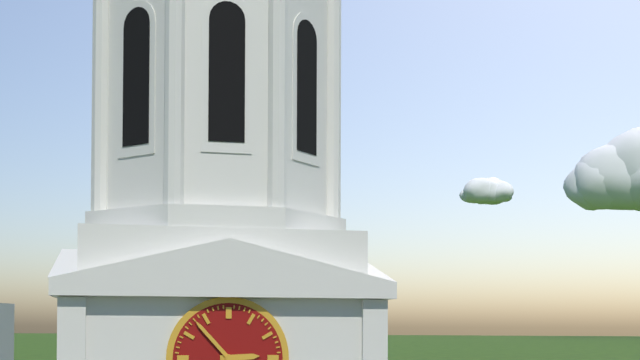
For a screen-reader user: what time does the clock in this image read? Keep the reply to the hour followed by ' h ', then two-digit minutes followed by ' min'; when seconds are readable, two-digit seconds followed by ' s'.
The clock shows 2 h 53 min
